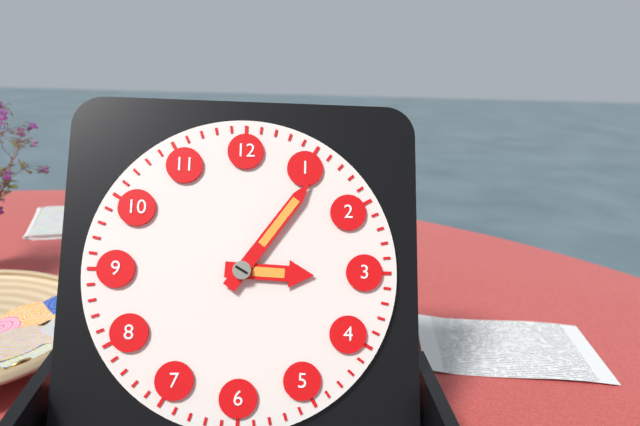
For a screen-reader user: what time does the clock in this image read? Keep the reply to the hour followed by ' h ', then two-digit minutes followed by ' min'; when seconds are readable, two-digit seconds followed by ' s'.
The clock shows 3 h 06 min
